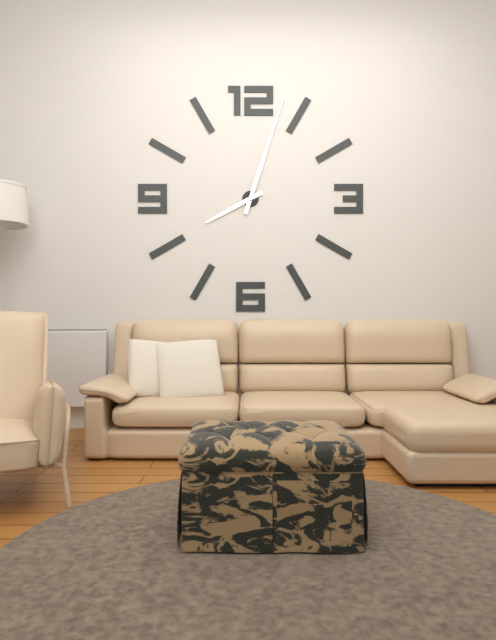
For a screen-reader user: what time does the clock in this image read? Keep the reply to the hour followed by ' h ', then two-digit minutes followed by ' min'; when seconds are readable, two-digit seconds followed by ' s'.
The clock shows 8 h 03 min
